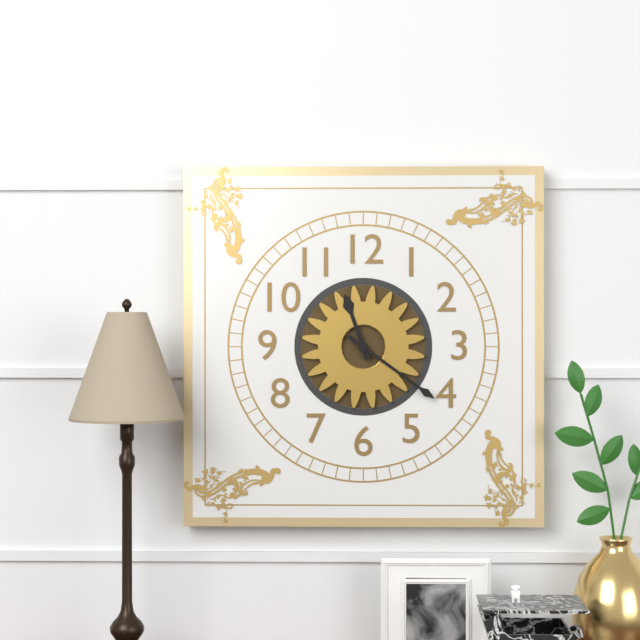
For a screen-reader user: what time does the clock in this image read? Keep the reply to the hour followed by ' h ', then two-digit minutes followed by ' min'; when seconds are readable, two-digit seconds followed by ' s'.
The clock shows 11 h 21 min
